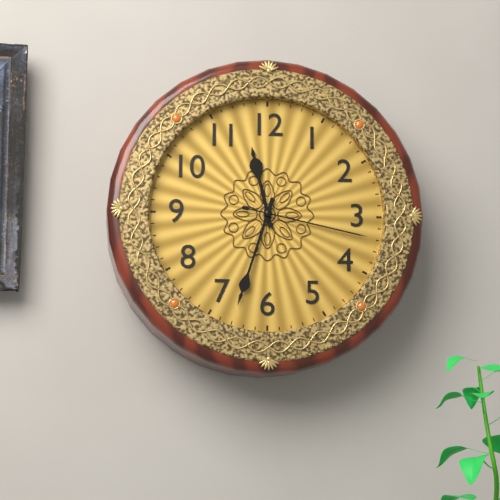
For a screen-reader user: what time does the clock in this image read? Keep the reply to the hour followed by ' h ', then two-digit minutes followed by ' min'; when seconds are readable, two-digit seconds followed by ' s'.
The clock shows 11 h 33 min 17 s
